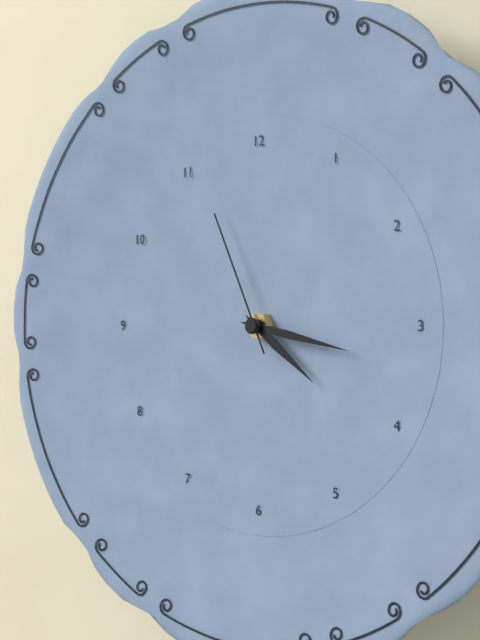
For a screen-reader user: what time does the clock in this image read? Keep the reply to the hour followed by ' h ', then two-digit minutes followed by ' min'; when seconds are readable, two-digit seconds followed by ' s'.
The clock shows 4 h 17 min 56 s
